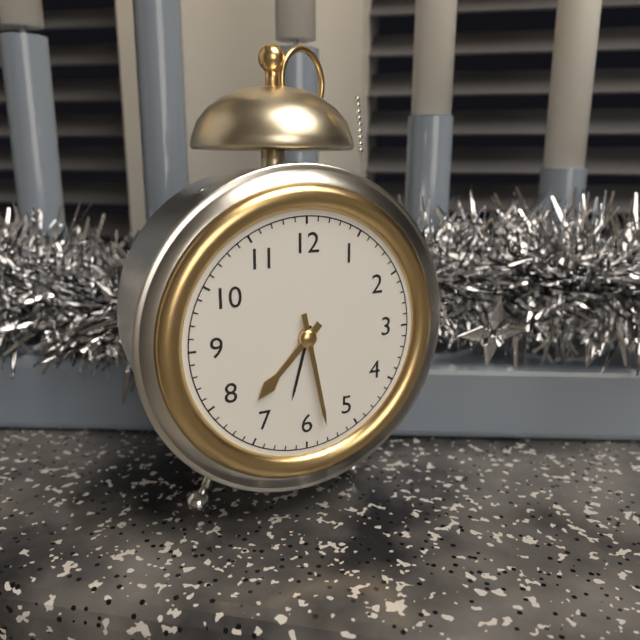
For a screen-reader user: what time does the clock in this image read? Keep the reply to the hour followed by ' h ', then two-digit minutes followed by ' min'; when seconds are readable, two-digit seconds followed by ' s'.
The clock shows 7 h 28 min
